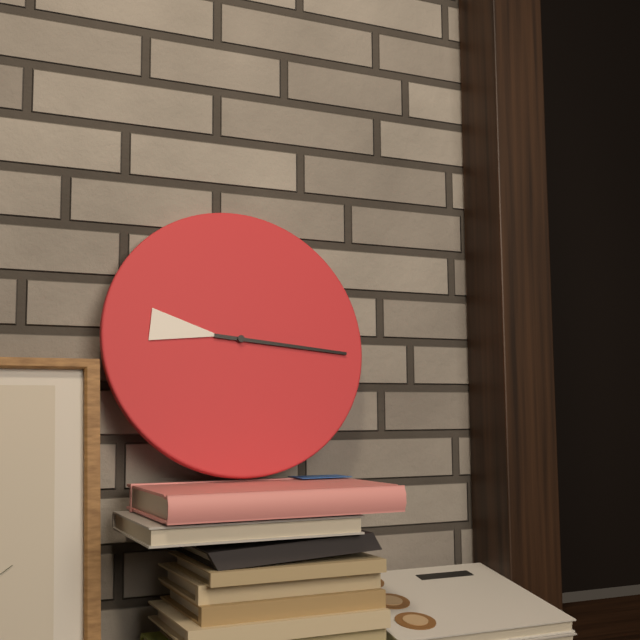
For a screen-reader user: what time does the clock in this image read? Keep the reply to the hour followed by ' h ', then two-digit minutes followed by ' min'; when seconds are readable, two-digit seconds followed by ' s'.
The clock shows 9 h 16 min
